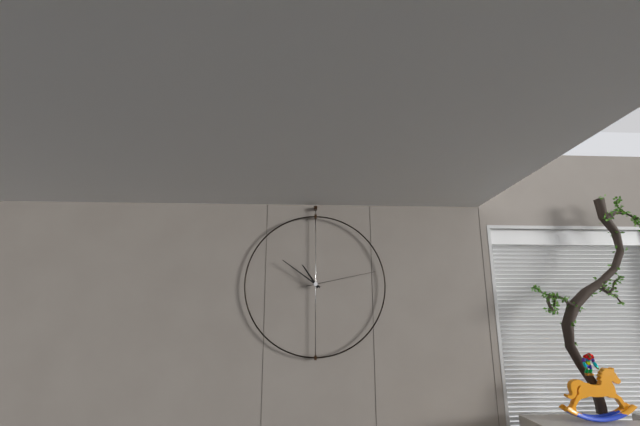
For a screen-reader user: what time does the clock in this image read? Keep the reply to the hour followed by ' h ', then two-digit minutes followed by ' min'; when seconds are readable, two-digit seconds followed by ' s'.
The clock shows 10 h 51 min 13 s
